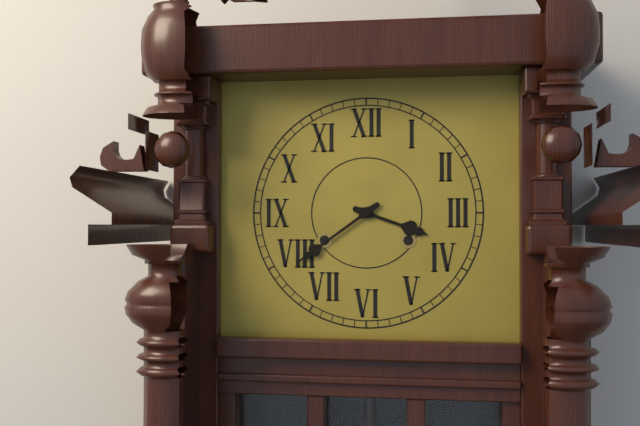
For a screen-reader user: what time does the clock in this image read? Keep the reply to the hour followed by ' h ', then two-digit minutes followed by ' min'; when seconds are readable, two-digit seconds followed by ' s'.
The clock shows 3 h 39 min
